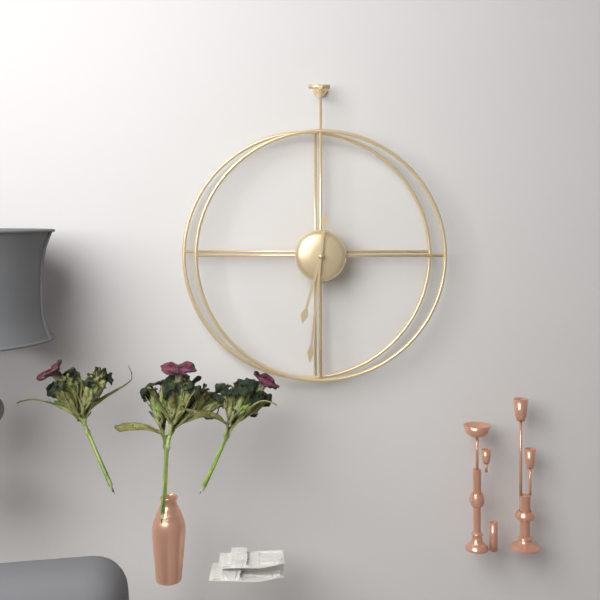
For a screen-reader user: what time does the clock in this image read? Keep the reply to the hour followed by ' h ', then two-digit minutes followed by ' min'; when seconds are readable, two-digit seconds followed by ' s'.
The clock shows 6 h 31 min
